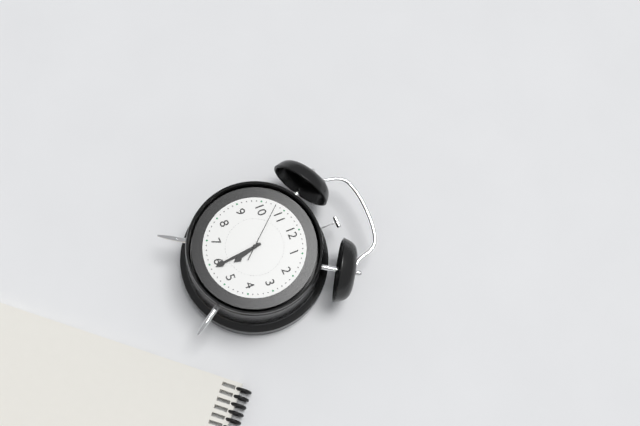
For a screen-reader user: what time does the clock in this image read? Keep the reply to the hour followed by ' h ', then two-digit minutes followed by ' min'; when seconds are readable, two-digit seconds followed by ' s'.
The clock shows 5 h 29 min 53 s
